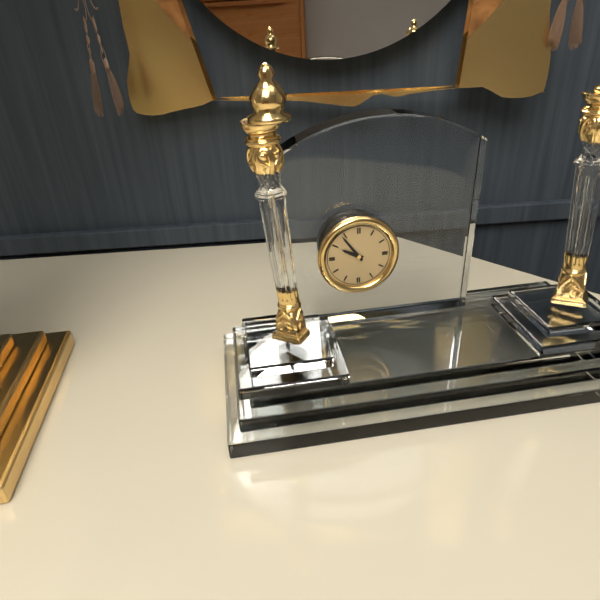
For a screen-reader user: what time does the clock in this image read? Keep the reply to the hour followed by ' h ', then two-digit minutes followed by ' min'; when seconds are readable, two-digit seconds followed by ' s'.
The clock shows 9 h 54 min
